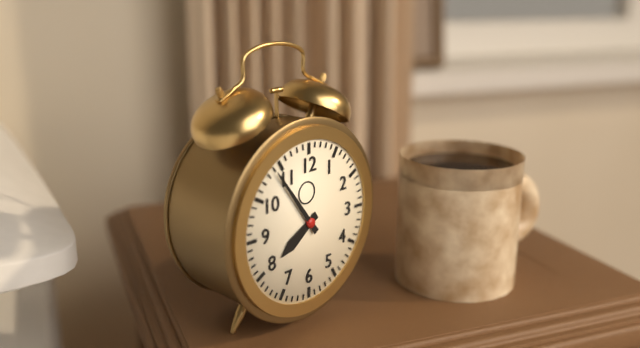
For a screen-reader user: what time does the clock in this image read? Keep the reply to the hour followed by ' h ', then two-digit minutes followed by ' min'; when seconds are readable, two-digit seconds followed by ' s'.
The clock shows 7 h 54 min
